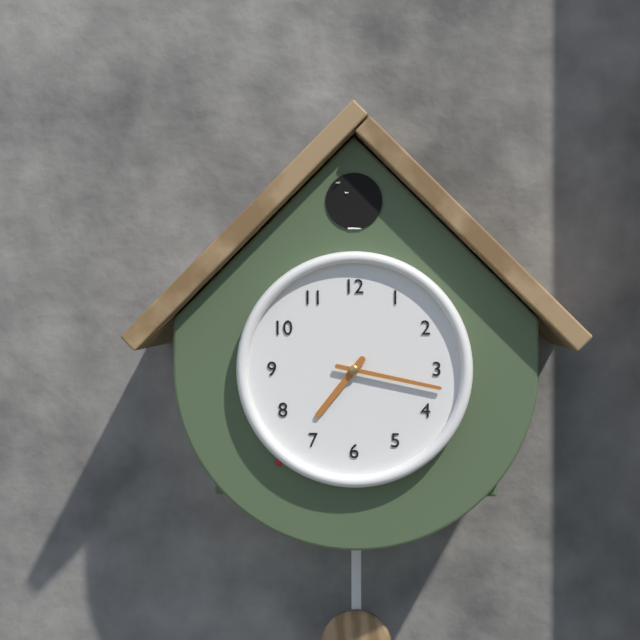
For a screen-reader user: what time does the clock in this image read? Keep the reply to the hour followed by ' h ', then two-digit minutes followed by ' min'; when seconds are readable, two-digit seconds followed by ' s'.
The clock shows 7 h 17 min
